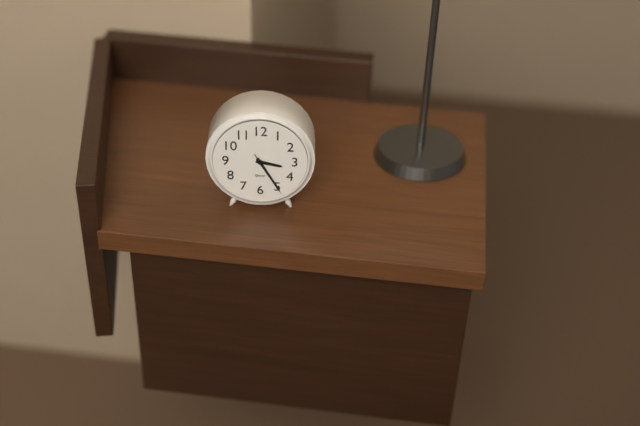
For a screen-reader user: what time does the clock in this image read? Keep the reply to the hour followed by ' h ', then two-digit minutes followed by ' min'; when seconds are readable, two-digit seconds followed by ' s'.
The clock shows 3 h 25 min
